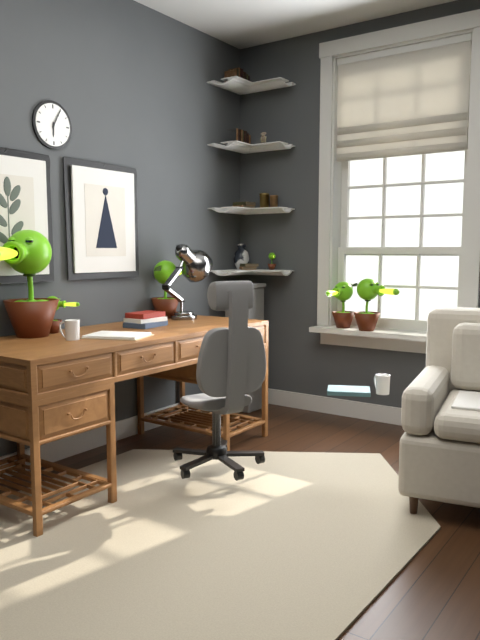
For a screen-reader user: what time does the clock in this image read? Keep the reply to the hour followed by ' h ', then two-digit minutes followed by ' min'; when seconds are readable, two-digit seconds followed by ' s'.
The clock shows 6 h 05 min
